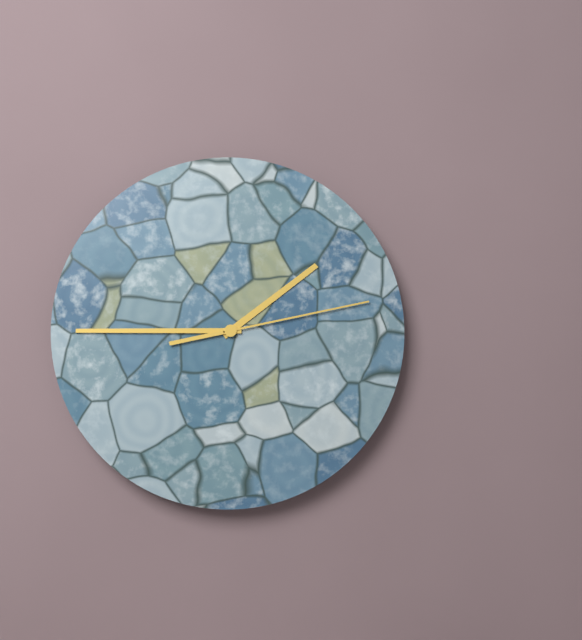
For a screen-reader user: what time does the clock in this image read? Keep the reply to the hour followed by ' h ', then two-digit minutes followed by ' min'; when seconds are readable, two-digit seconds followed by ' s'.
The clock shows 1 h 45 min 13 s
